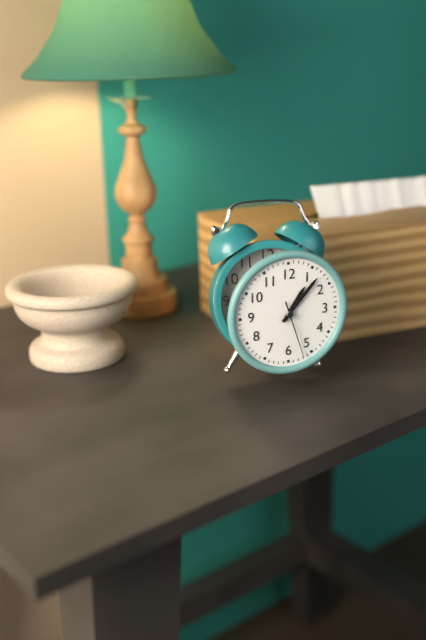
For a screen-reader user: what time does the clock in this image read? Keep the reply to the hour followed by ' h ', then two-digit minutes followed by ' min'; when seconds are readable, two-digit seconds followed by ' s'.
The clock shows 1 h 07 min 27 s
